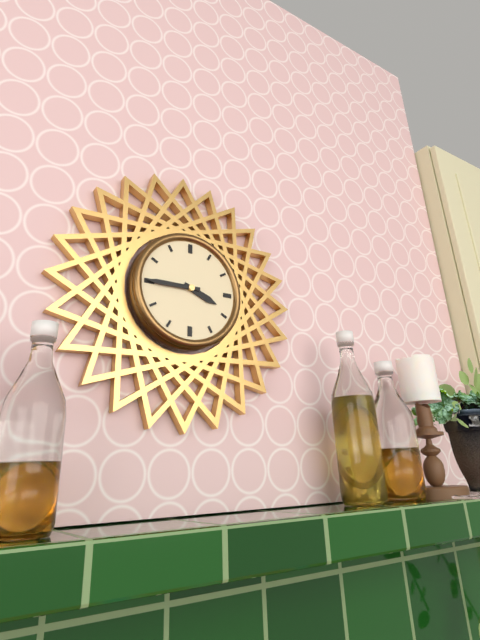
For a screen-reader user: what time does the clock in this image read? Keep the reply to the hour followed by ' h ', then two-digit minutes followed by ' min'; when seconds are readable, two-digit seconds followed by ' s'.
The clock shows 3 h 45 min
